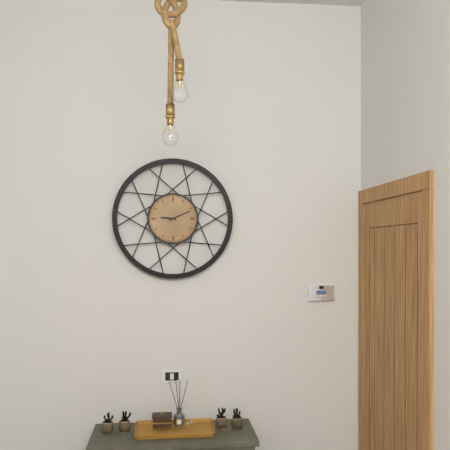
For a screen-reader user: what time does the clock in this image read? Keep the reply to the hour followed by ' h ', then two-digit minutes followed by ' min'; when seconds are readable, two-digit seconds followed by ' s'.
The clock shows 9 h 11 min
